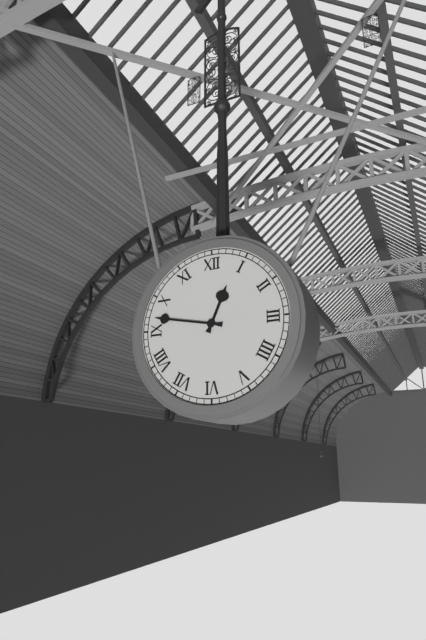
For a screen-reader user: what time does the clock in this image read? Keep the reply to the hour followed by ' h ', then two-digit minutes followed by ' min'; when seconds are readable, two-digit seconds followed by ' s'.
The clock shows 12 h 47 min
